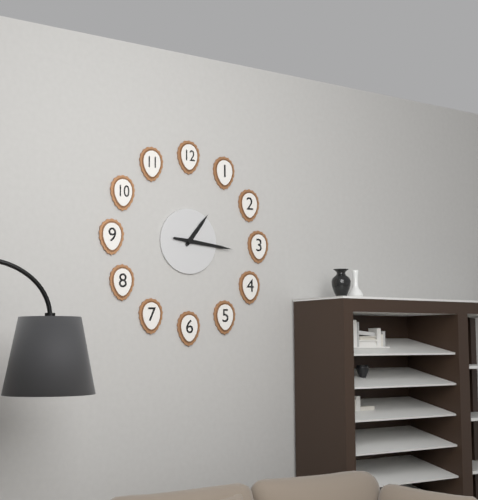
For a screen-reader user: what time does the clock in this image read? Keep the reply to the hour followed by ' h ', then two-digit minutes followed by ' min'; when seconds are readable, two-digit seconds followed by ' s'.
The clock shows 1 h 16 min
